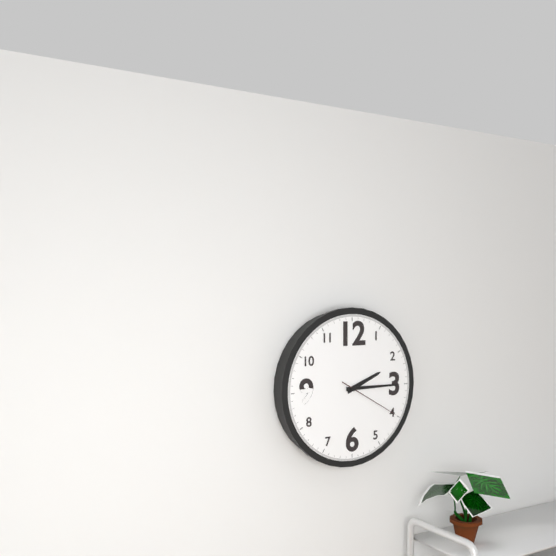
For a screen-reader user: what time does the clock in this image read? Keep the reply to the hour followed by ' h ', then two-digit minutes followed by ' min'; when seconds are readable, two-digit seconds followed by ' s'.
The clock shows 2 h 15 min 20 s
